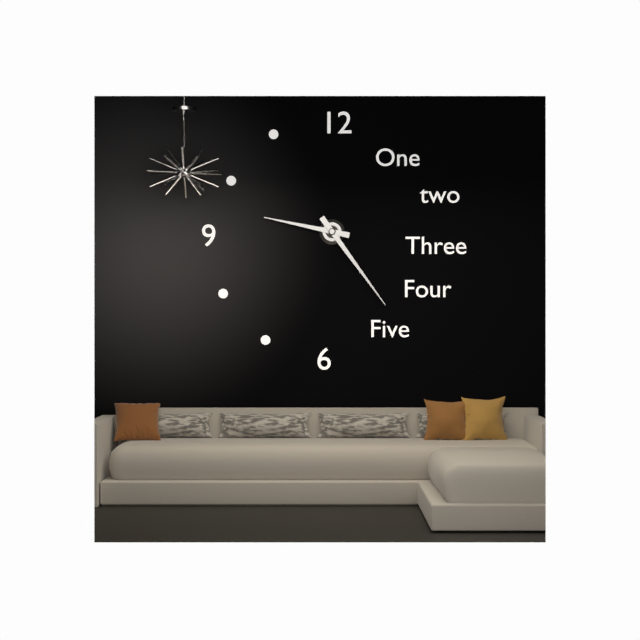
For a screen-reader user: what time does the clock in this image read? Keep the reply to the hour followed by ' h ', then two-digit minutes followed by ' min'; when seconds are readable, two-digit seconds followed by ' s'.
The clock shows 9 h 24 min
